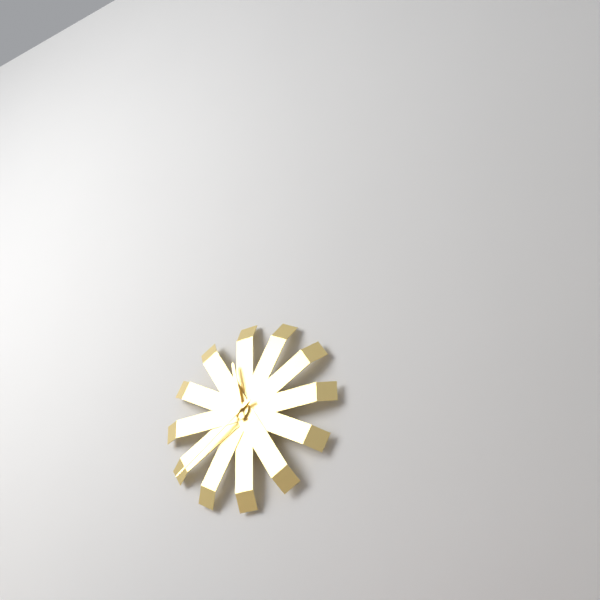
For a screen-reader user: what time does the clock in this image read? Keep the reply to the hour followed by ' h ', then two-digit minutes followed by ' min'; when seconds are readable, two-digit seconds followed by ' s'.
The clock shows 11 h 39 min
